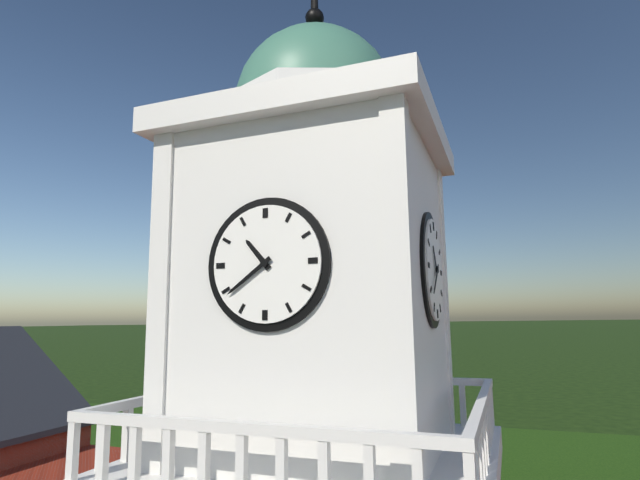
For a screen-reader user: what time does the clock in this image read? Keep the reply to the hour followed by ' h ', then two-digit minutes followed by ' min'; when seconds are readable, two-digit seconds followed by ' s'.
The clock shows 10 h 39 min
